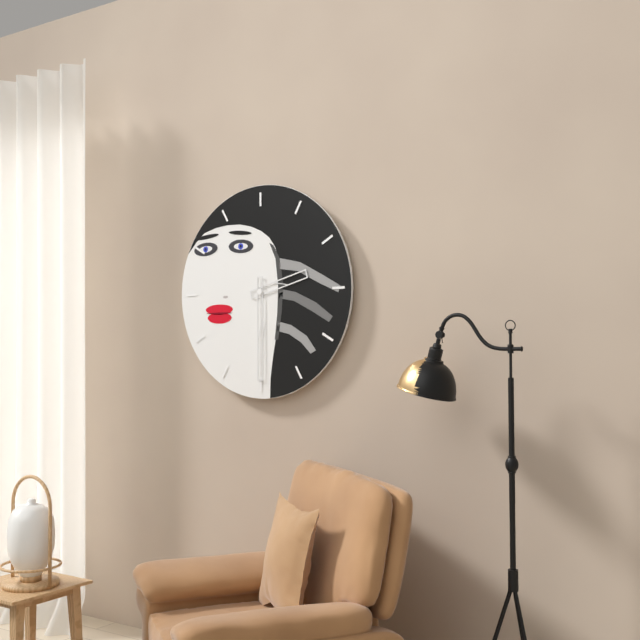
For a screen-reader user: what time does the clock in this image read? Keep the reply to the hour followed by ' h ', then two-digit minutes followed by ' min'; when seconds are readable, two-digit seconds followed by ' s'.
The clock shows 2 h 30 min
